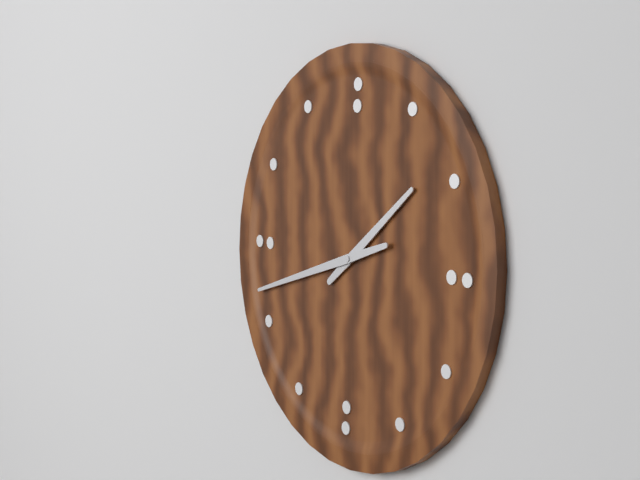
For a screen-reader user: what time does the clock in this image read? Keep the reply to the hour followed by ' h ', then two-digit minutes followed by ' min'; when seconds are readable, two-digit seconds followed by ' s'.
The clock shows 1 h 42 min
